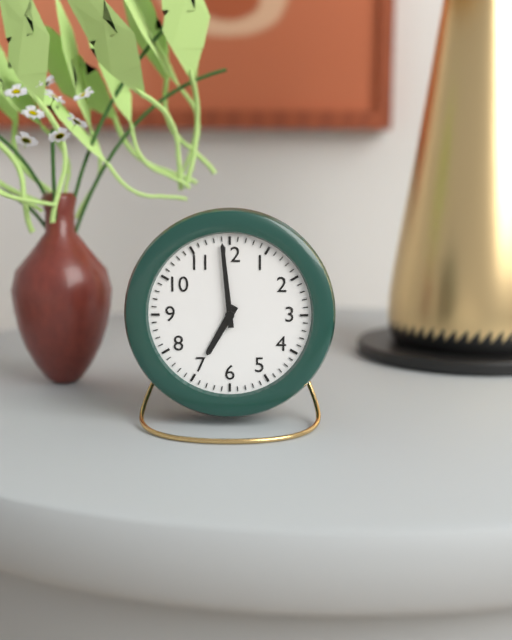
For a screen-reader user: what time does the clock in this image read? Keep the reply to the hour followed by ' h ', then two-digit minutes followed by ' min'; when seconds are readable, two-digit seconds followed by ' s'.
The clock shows 6 h 59 min
